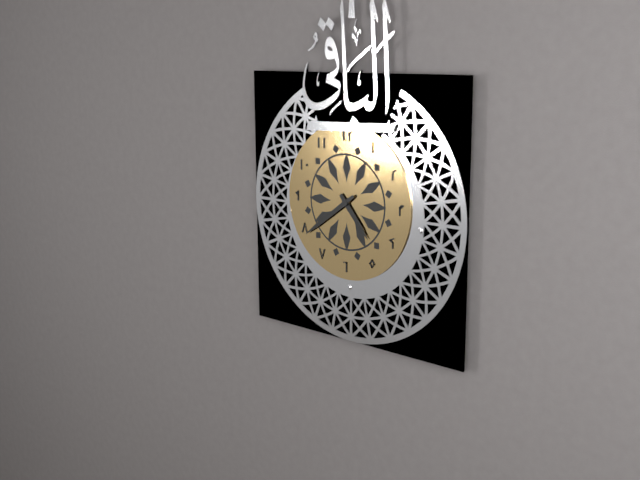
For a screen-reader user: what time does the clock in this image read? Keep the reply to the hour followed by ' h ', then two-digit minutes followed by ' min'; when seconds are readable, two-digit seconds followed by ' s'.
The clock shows 4 h 39 min
